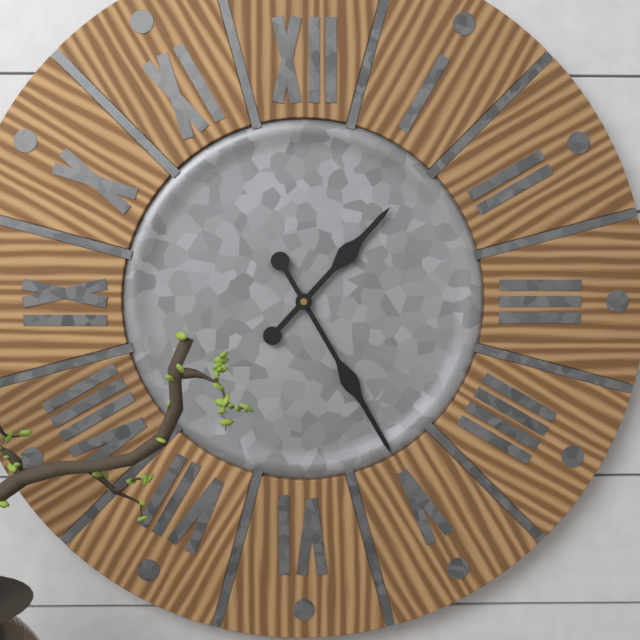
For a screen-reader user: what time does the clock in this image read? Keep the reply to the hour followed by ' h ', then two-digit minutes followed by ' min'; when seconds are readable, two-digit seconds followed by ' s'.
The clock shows 1 h 25 min
